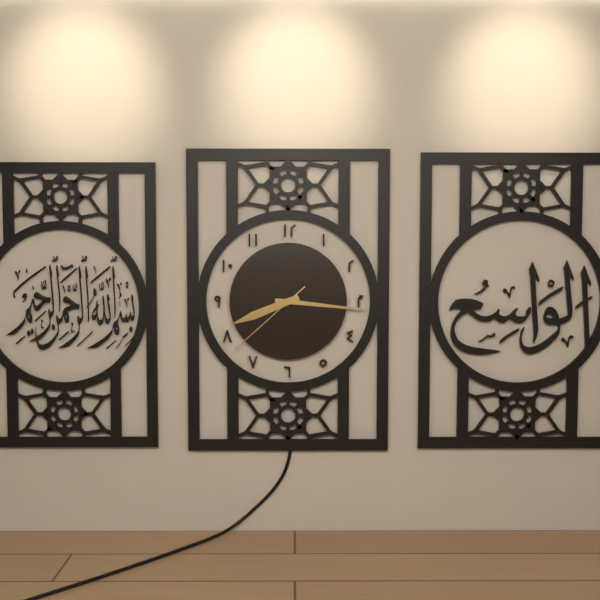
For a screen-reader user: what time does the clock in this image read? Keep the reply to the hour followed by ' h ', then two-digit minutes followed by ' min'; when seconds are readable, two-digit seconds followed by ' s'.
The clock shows 8 h 16 min 38 s
